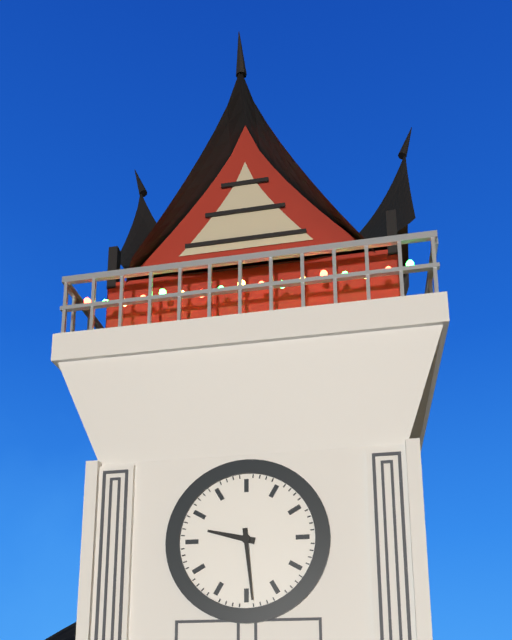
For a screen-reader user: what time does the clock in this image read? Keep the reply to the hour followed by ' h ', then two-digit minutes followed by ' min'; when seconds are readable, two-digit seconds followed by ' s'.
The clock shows 9 h 29 min
